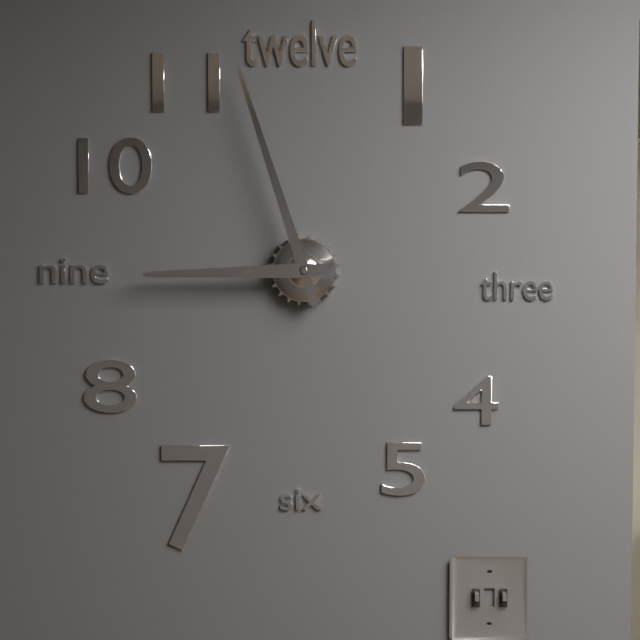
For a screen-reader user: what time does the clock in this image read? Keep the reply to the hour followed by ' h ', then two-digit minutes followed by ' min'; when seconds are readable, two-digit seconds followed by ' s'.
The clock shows 8 h 57 min
